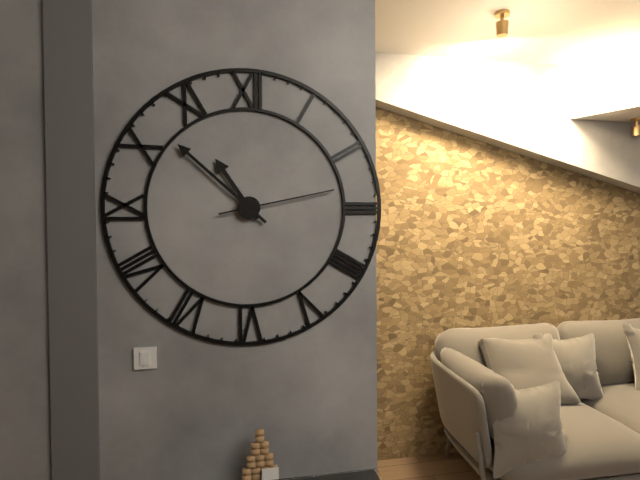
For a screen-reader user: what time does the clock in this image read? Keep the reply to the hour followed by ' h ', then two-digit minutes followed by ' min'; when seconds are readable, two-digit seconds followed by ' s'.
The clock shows 10 h 52 min 13 s
